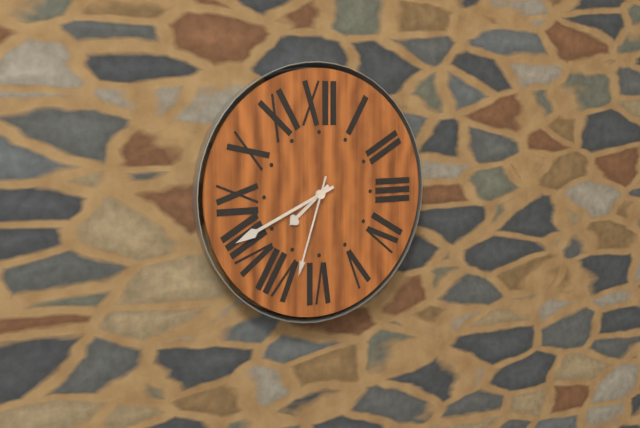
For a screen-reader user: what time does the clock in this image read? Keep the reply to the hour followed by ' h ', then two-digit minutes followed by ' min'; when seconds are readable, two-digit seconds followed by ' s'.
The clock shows 7 h 41 min 33 s
